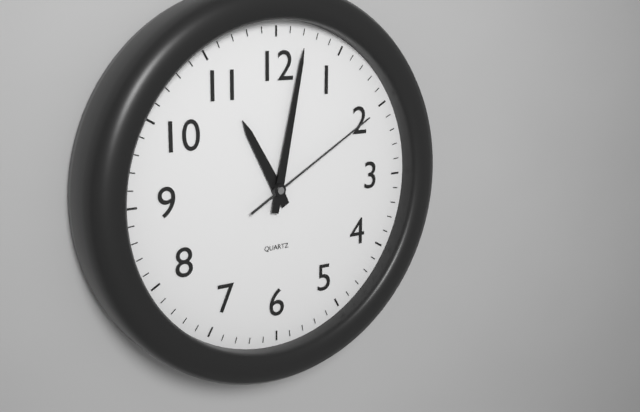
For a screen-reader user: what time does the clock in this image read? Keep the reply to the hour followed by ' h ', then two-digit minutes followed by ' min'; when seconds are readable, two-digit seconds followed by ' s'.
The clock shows 11 h 02 min 10 s
